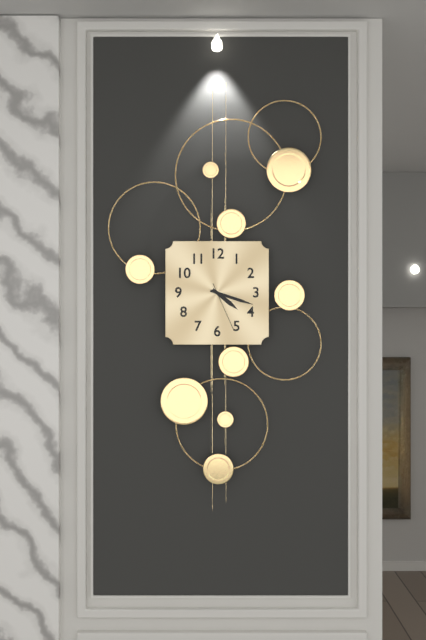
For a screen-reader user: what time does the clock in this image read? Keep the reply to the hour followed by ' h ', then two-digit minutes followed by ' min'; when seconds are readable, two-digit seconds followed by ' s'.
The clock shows 4 h 18 min 26 s
